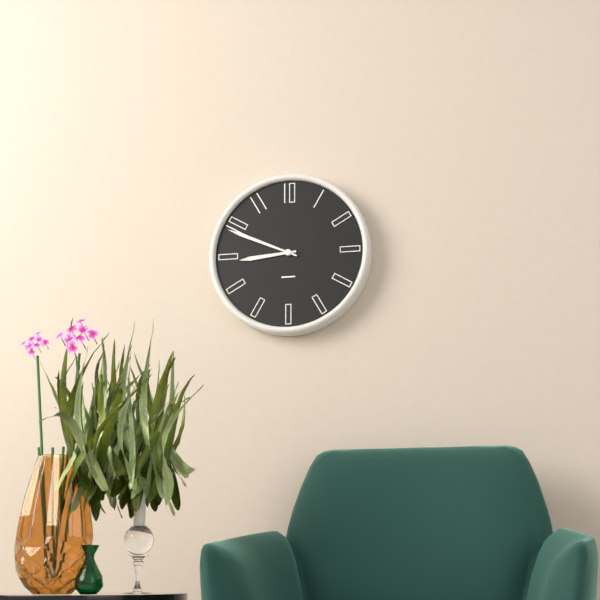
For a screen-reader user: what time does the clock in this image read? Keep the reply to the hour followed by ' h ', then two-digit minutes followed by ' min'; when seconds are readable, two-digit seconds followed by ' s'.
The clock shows 8 h 49 min
